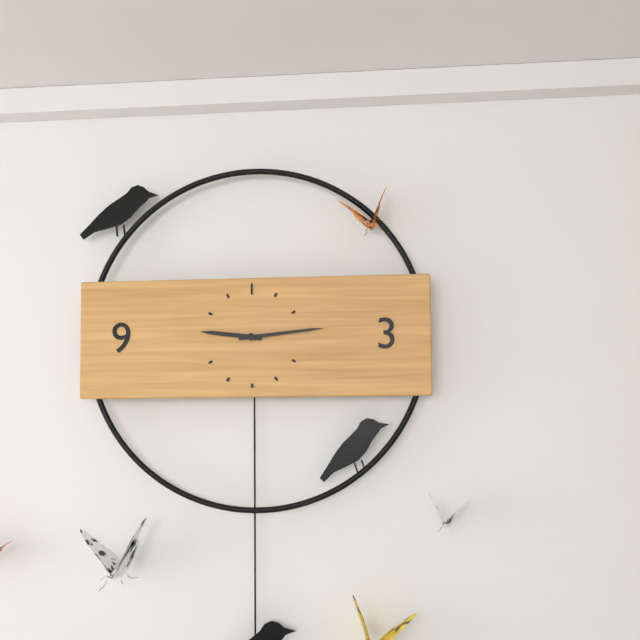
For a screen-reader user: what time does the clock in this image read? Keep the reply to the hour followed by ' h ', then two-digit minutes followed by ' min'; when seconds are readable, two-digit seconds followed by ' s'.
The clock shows 9 h 14 min
